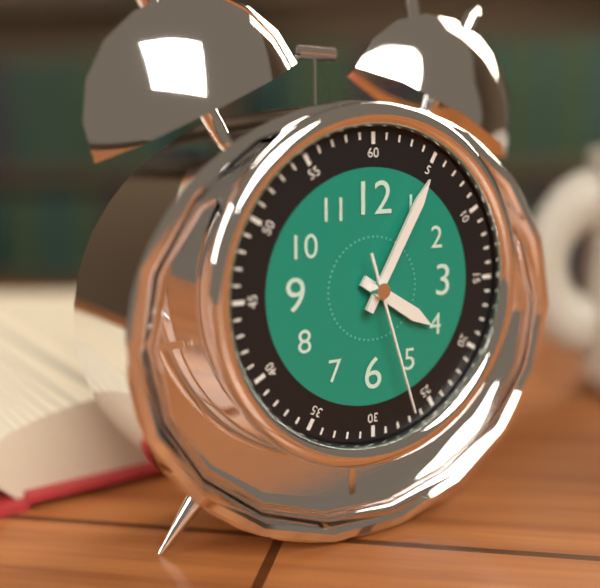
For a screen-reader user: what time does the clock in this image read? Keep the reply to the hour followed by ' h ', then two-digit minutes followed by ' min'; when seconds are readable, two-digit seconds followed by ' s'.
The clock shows 4 h 05 min 27 s
